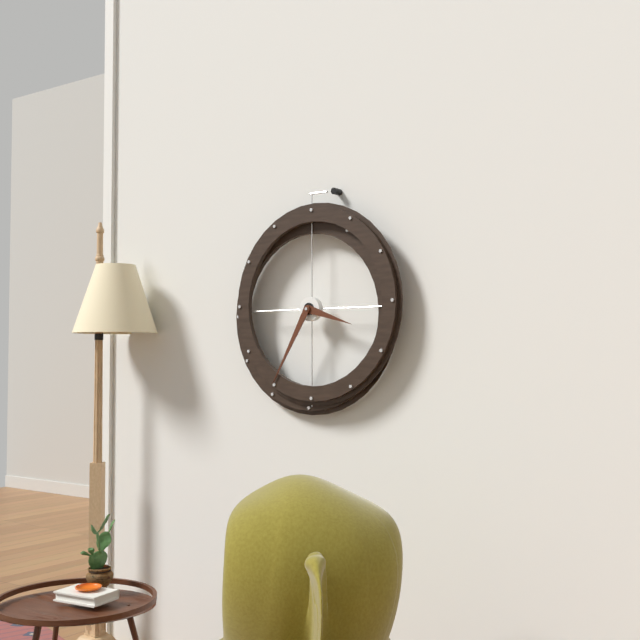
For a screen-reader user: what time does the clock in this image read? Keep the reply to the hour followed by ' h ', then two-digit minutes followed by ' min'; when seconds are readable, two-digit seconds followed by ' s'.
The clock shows 3 h 35 min
